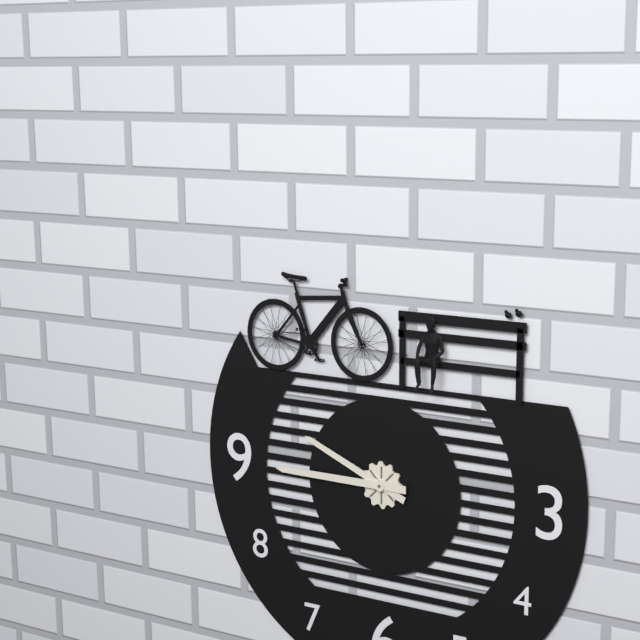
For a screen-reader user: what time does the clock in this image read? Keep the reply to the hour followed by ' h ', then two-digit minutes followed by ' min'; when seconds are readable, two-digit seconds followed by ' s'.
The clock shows 9 h 45 min
